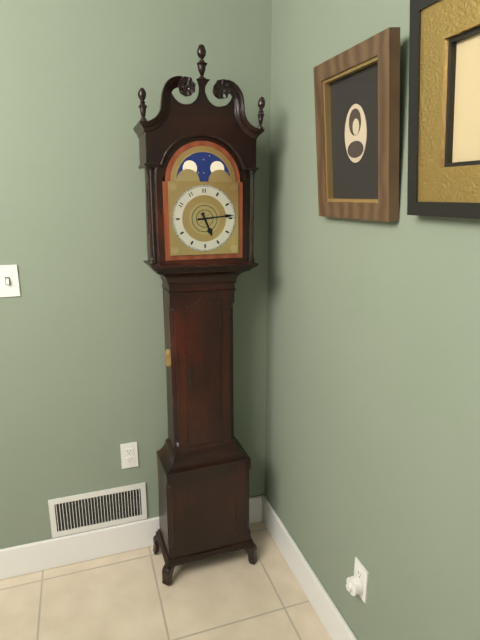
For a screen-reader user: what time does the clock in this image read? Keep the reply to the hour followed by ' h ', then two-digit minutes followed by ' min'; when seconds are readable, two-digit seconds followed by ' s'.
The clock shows 5 h 14 min
